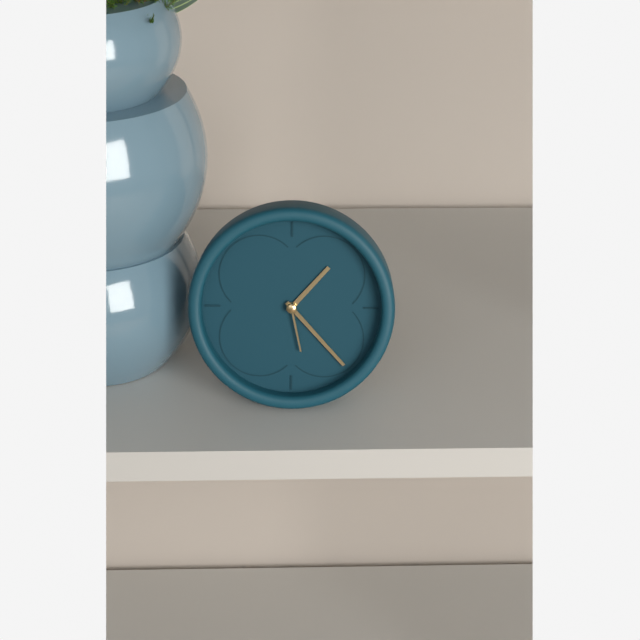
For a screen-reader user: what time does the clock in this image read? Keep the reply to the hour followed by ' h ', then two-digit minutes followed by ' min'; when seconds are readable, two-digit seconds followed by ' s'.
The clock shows 1 h 23 min 28 s
